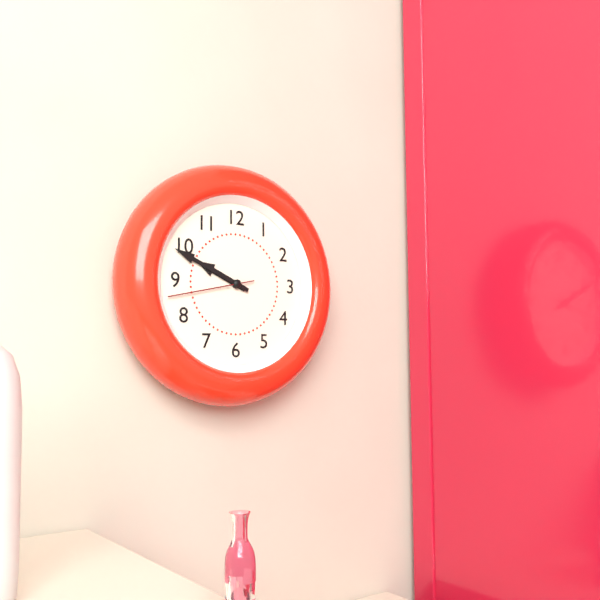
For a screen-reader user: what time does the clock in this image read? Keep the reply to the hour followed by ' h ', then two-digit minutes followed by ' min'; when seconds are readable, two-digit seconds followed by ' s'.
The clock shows 9 h 49 min 43 s
